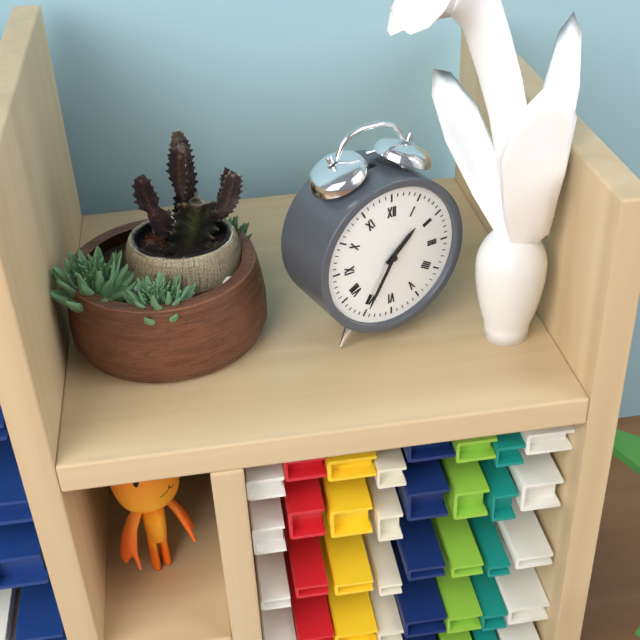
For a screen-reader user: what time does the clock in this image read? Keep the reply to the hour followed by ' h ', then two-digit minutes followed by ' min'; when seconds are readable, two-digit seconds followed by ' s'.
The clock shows 1 h 35 min
